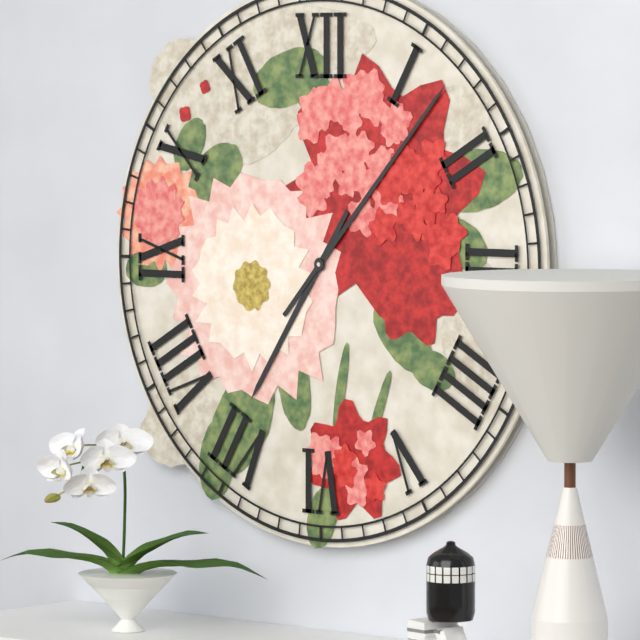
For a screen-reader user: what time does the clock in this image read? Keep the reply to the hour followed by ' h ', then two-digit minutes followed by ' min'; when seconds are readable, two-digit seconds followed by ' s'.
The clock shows 7 h 07 min
